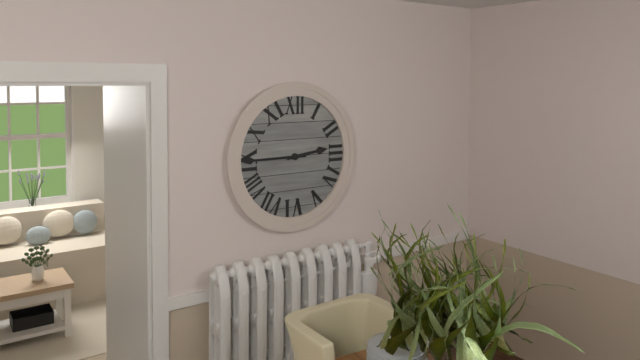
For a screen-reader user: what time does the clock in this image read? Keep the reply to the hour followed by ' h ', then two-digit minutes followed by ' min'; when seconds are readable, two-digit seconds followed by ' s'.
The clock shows 2 h 45 min
